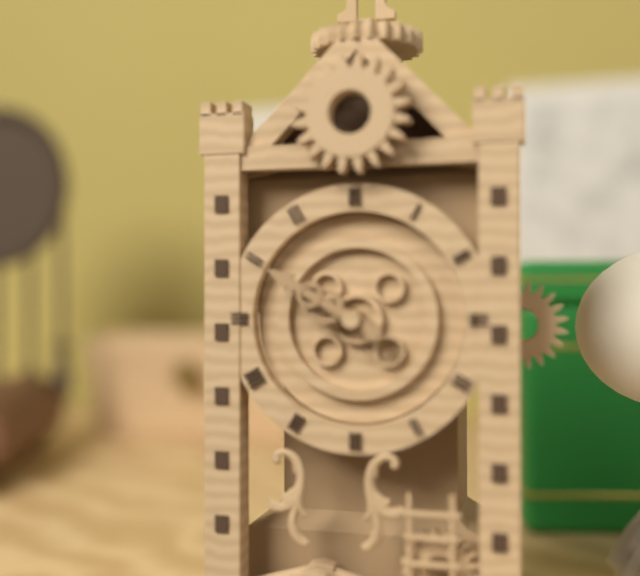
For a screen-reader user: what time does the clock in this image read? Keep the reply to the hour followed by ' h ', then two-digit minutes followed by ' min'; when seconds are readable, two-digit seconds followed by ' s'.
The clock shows 9 h 50 min
